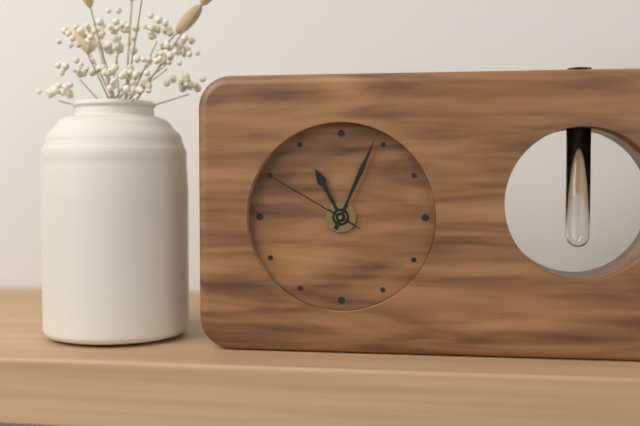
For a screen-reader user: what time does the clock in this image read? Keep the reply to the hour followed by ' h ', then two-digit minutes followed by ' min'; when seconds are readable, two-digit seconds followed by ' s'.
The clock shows 11 h 04 min 50 s
